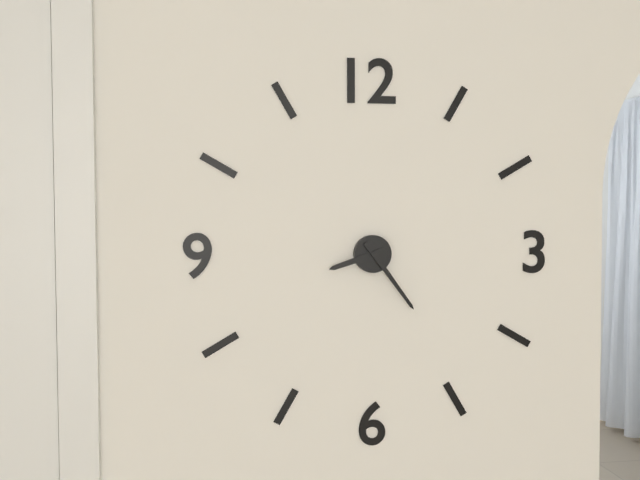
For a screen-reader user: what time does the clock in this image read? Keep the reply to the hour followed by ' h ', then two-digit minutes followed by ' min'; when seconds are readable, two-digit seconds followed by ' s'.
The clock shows 8 h 24 min
